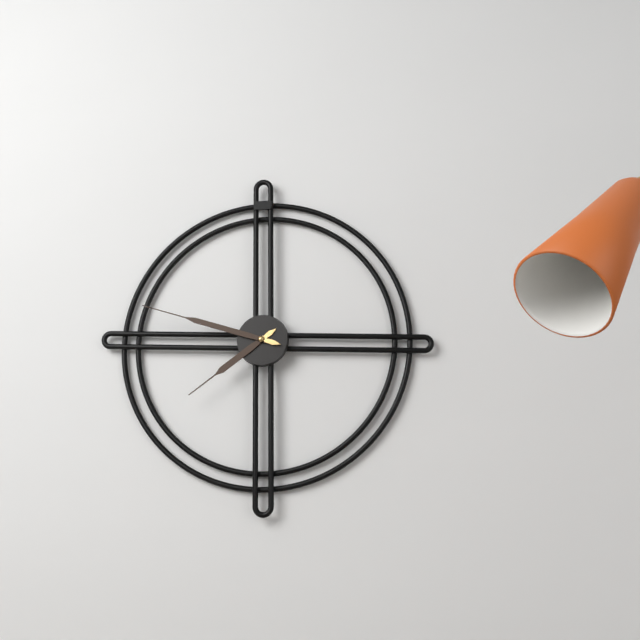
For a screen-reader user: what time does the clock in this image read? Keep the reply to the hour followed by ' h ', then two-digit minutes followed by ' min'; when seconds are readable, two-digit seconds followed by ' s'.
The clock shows 7 h 48 min
